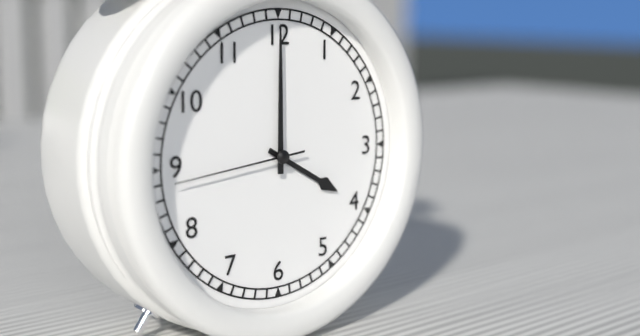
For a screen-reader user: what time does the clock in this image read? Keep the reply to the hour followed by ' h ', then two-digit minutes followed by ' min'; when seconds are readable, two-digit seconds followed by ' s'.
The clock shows 4 h 00 min 44 s
